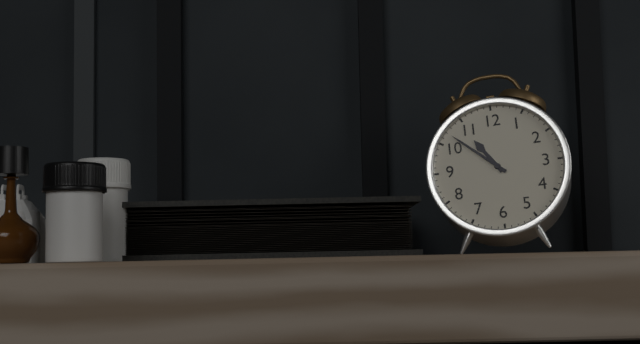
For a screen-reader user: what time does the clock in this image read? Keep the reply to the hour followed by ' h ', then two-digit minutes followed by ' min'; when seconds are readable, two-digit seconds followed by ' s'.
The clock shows 10 h 52 min
